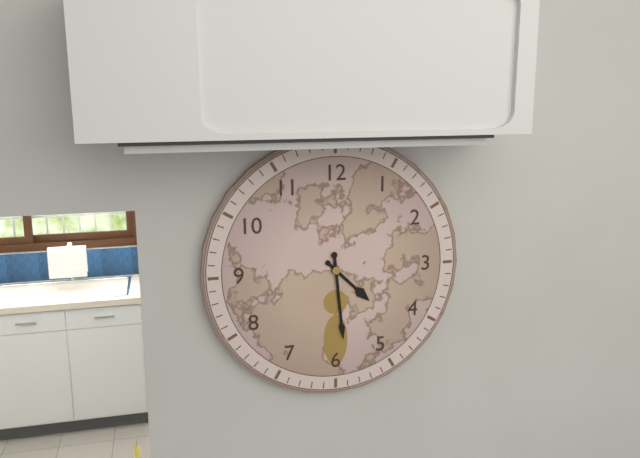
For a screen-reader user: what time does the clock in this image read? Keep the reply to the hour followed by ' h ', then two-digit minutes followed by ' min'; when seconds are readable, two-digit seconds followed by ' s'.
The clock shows 4 h 29 min
